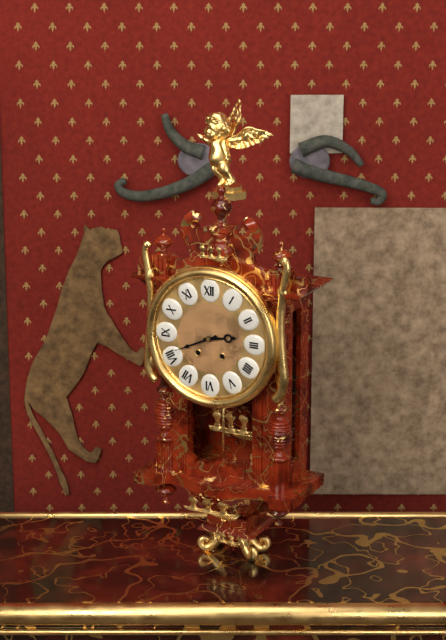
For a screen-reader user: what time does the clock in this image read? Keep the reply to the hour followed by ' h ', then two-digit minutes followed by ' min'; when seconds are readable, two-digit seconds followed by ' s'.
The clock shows 2 h 41 min
